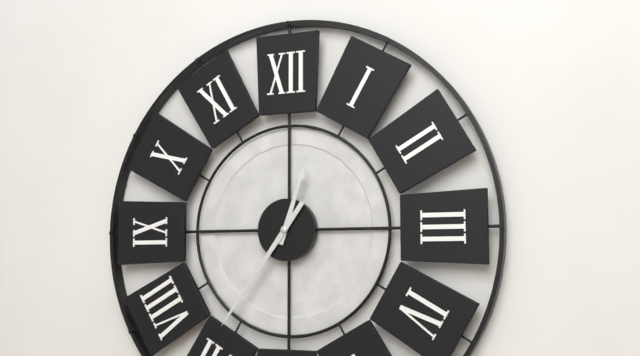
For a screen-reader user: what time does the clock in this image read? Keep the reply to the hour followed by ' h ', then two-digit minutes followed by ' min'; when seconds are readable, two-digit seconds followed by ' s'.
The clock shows 12 h 36 min
